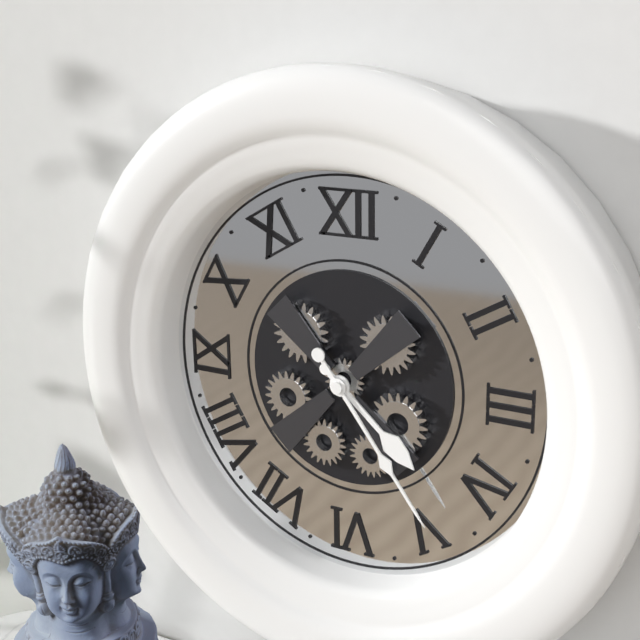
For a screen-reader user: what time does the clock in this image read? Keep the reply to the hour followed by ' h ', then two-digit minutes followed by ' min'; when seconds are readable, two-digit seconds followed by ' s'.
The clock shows 4 h 24 min
